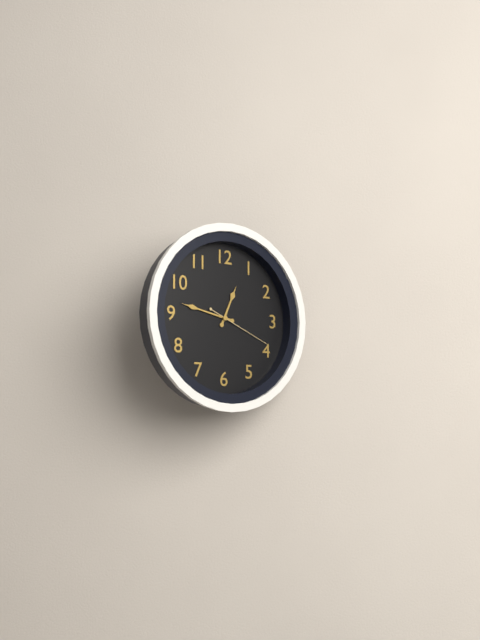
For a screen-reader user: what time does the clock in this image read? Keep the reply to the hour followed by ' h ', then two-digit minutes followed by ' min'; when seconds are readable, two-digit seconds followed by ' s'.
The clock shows 12 h 47 min 19 s
